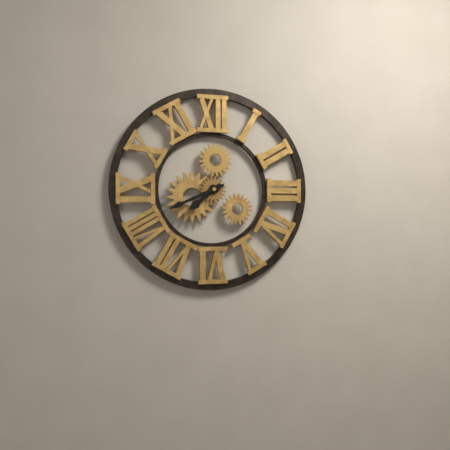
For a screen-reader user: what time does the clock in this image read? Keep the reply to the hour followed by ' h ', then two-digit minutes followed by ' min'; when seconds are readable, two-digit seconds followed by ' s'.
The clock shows 7 h 41 min
